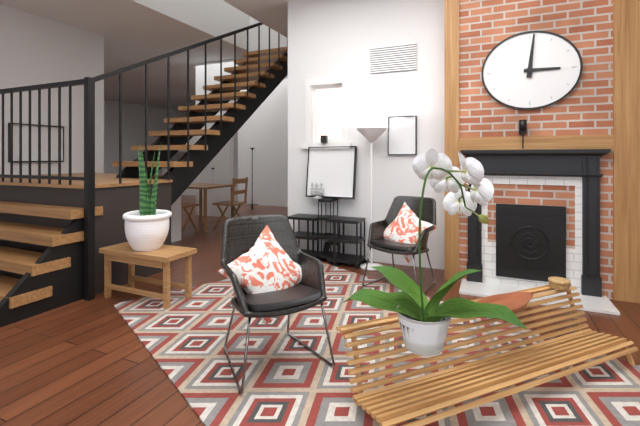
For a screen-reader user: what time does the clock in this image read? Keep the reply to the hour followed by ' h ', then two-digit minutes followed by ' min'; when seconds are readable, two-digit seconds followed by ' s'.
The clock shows 3 h 01 min
